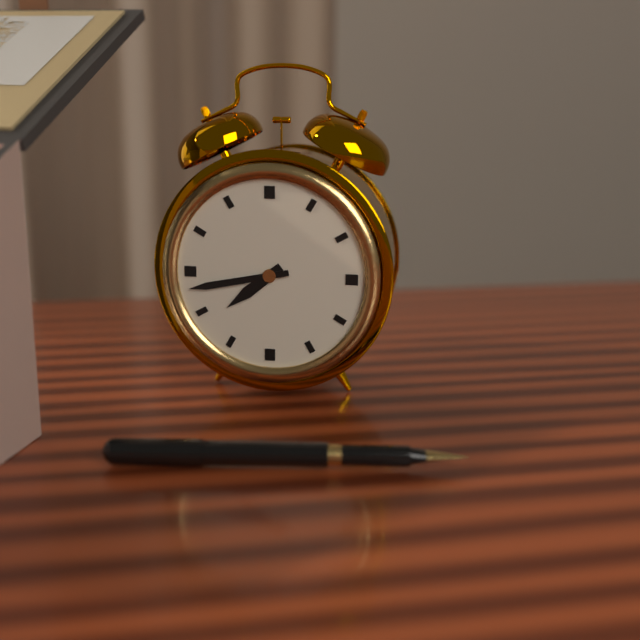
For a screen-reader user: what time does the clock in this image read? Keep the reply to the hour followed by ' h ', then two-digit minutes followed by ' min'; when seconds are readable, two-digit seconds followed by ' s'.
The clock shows 7 h 43 min
